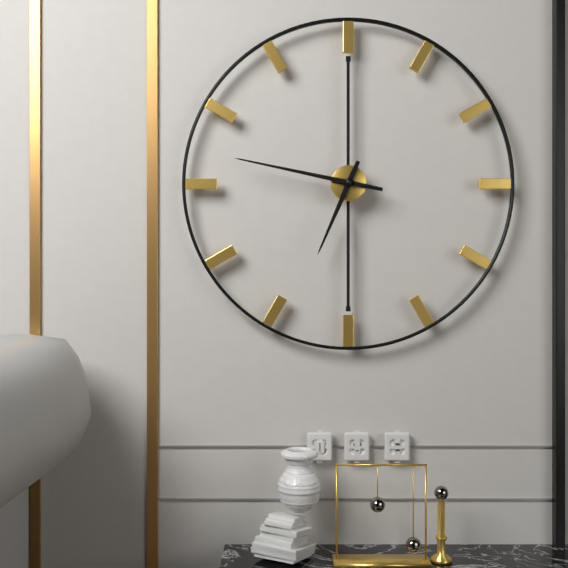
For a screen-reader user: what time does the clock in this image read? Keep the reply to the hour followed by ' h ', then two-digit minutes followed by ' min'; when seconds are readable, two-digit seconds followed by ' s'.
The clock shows 6 h 47 min
